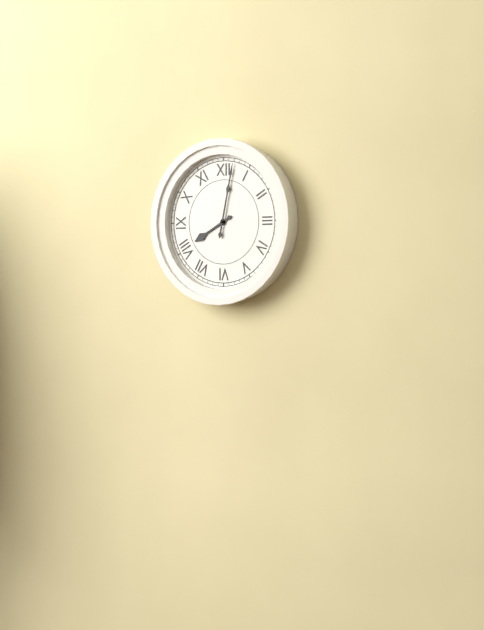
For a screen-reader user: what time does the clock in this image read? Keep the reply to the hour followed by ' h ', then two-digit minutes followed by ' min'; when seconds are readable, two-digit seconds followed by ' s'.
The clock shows 8 h 02 min
